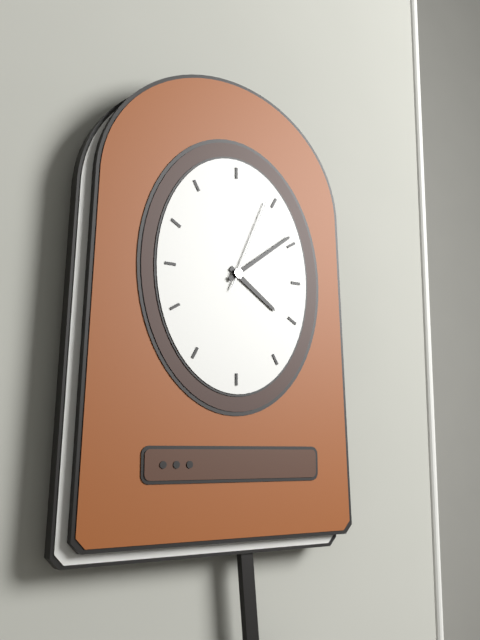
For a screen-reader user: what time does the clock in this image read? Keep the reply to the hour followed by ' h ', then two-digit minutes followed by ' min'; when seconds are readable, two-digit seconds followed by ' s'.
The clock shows 4 h 09 min 04 s
